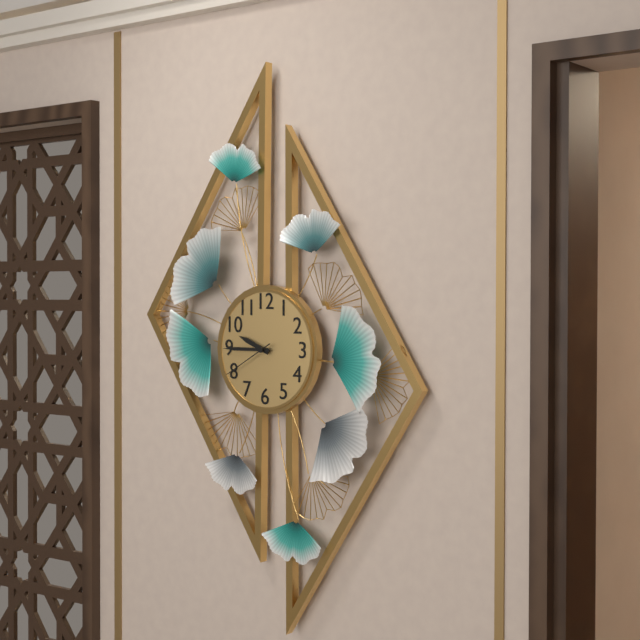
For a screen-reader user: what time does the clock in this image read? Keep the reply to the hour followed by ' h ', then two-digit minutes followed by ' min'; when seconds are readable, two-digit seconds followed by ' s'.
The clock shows 9 h 45 min 40 s
